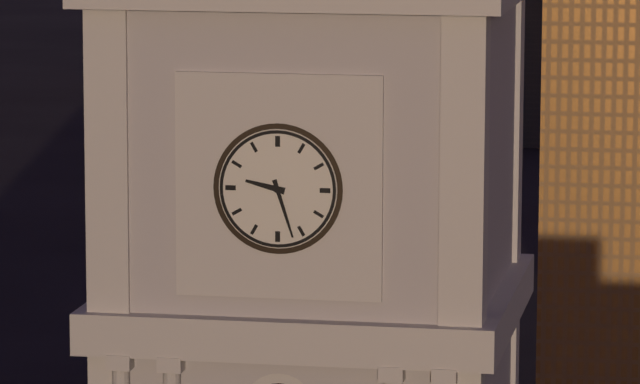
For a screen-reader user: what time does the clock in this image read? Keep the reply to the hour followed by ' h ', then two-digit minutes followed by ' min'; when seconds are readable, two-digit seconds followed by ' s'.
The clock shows 9 h 27 min
